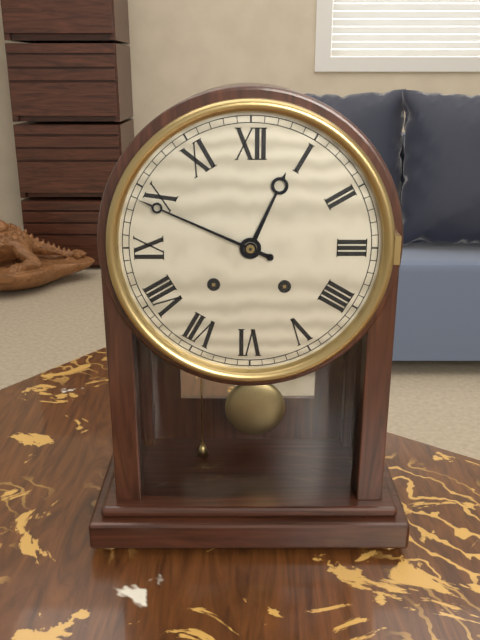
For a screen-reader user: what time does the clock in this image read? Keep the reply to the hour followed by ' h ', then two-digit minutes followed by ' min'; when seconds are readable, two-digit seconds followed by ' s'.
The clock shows 12 h 49 min
